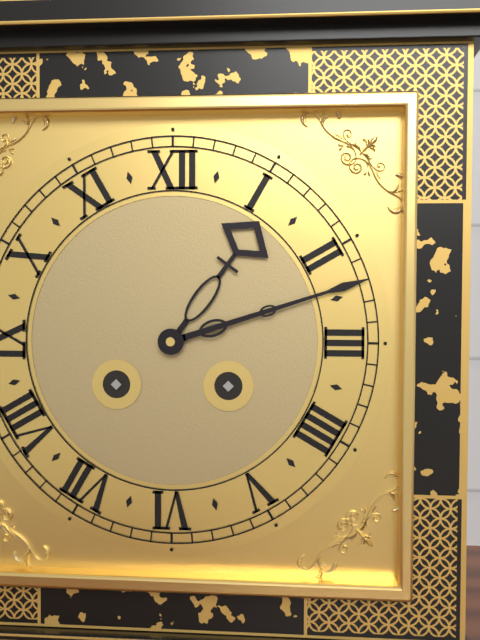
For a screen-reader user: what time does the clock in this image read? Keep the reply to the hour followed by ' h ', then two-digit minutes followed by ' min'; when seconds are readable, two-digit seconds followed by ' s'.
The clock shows 1 h 12 min
